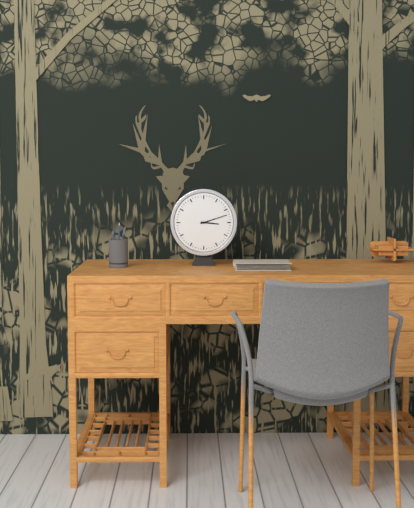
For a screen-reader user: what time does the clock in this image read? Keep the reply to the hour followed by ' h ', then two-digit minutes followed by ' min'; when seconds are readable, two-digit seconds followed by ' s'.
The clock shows 3 h 12 min
